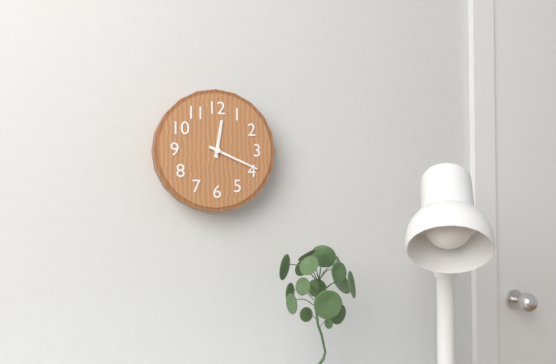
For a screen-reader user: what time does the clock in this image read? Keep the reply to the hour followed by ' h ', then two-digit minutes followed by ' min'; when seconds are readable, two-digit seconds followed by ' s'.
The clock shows 12 h 19 min
